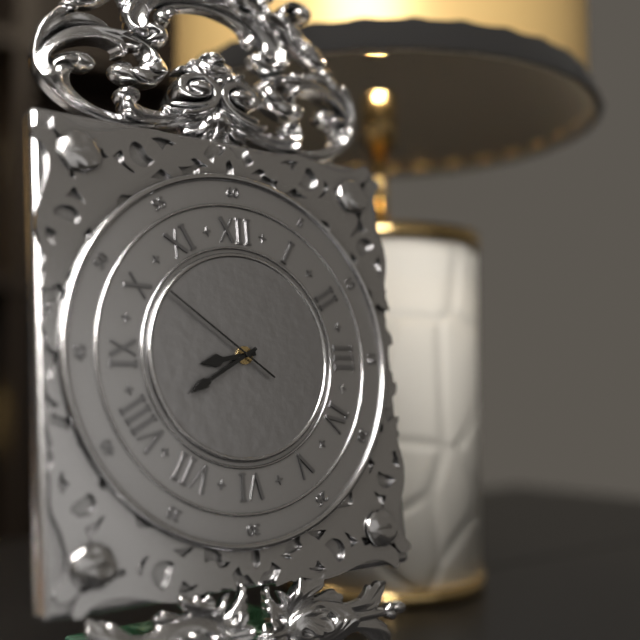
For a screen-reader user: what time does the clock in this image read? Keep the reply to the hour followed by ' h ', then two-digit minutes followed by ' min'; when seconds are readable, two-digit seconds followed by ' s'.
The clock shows 8 h 40 min 51 s
